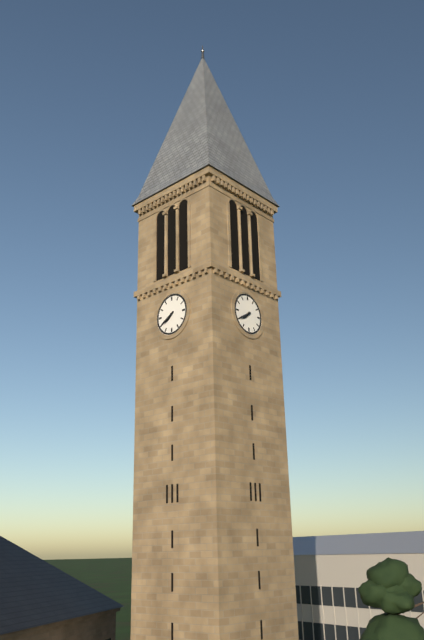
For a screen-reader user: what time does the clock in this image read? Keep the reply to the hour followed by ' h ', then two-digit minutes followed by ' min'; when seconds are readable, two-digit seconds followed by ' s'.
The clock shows 7 h 40 min
